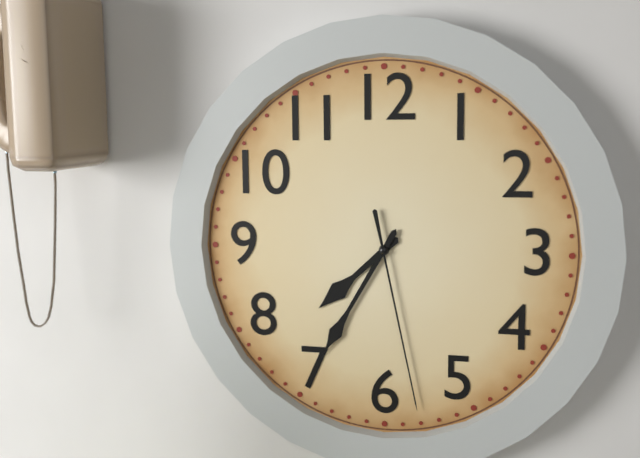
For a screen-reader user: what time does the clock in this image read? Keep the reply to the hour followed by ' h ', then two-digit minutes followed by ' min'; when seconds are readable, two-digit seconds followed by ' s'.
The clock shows 7 h 35 min 28 s
